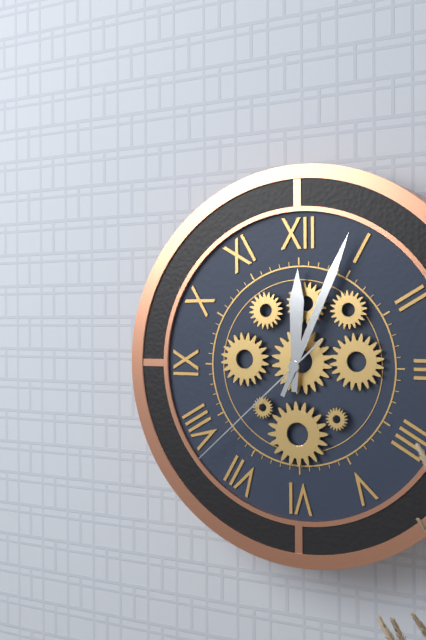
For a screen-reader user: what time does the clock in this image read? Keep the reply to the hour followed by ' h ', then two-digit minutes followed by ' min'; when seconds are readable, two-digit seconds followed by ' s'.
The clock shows 12 h 04 min 38 s
